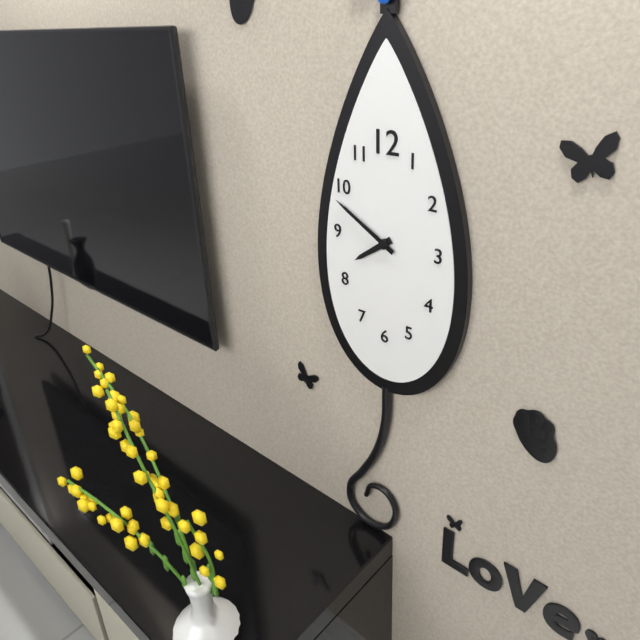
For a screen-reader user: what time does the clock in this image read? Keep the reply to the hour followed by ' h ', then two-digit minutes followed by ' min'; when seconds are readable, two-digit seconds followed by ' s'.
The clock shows 7 h 50 min
